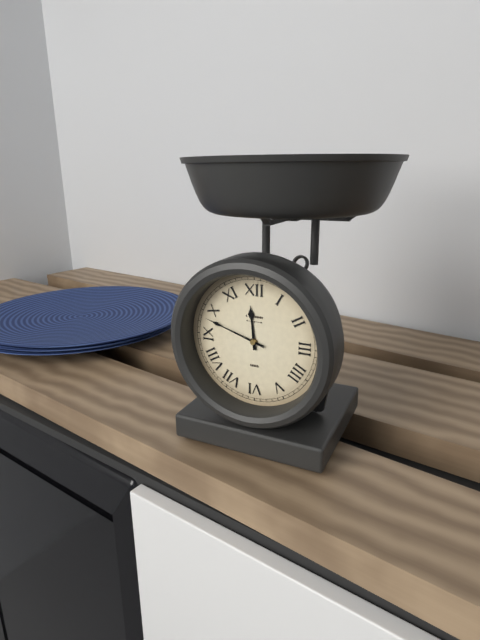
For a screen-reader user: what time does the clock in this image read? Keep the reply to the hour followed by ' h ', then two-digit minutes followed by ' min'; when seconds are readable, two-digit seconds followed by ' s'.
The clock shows 11 h 48 min
